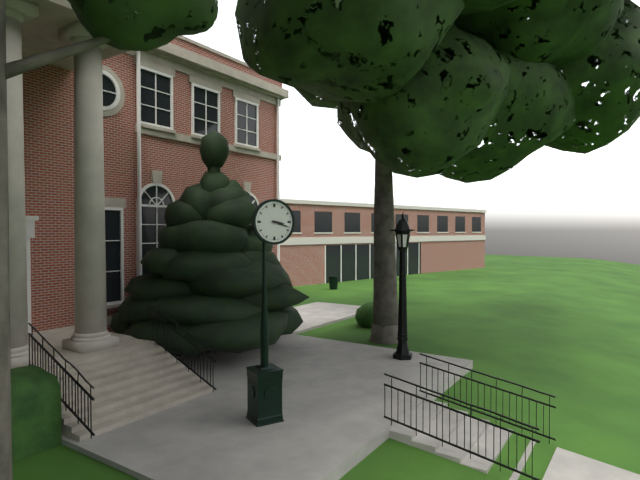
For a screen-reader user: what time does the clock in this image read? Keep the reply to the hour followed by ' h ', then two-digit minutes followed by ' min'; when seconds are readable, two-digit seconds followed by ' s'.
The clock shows 3 h 18 min
